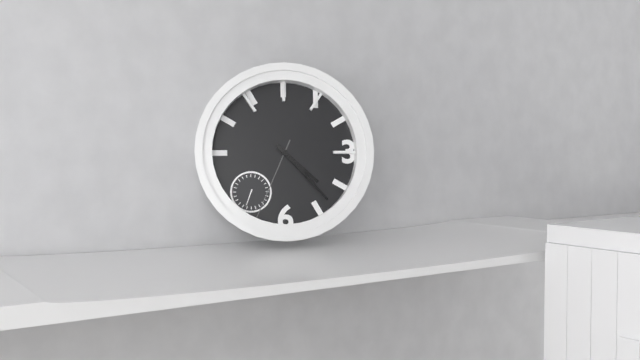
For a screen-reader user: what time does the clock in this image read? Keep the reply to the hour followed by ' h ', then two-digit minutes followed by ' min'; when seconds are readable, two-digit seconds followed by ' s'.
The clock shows 4 h 23 min 34 s
